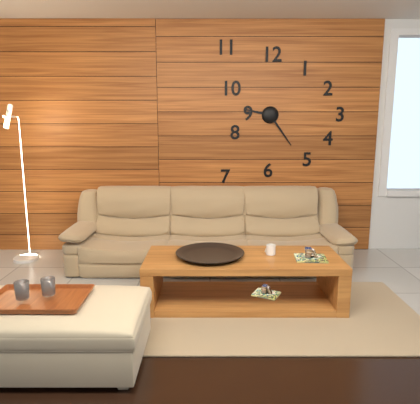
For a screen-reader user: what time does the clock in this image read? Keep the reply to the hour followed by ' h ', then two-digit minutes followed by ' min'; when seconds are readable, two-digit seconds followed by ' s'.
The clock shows 9 h 24 min
